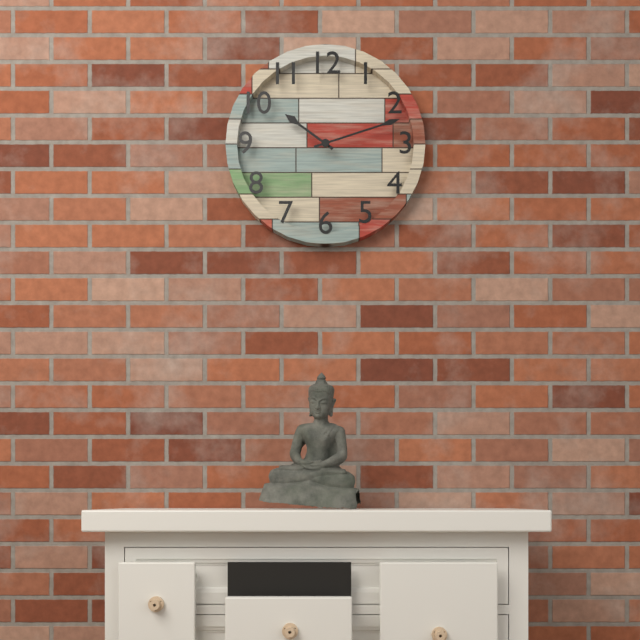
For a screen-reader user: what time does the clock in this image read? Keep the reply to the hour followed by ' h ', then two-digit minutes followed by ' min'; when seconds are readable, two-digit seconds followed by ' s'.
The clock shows 10 h 12 min
